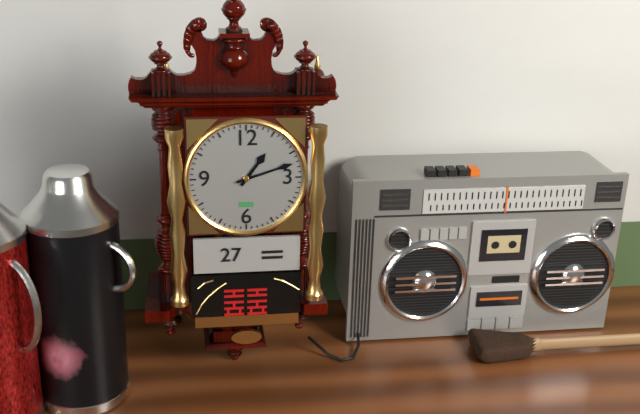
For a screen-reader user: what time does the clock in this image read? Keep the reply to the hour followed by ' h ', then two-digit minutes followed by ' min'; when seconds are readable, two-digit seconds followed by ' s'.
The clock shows 1 h 12 min
